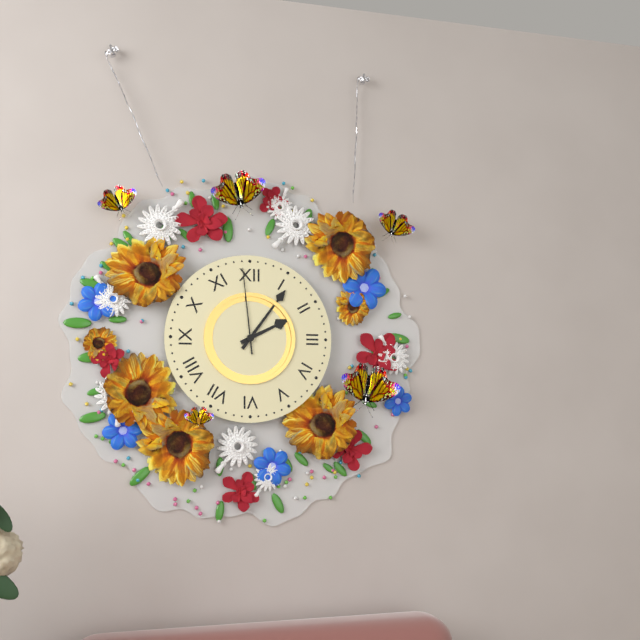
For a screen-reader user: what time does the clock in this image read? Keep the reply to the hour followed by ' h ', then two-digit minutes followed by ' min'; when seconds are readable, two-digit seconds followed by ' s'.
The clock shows 2 h 06 min 59 s
